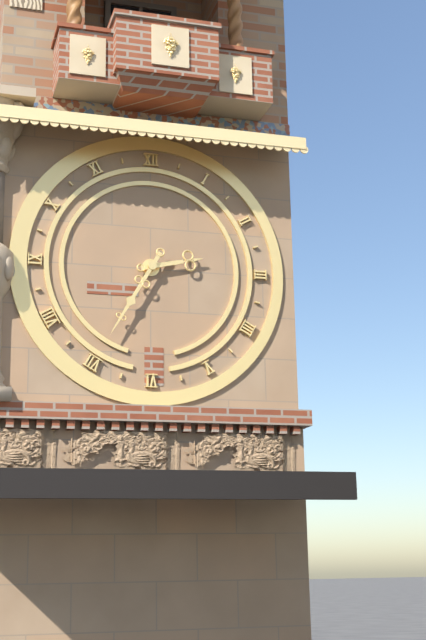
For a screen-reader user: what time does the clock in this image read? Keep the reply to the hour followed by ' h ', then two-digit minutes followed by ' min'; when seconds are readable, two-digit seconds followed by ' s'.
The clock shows 2 h 35 min
